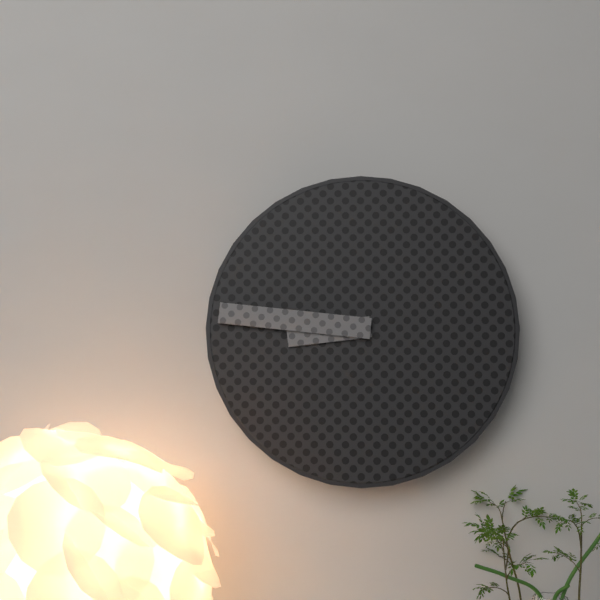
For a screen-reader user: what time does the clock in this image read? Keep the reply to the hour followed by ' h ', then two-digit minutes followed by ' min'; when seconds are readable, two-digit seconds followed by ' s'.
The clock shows 8 h 46 min
